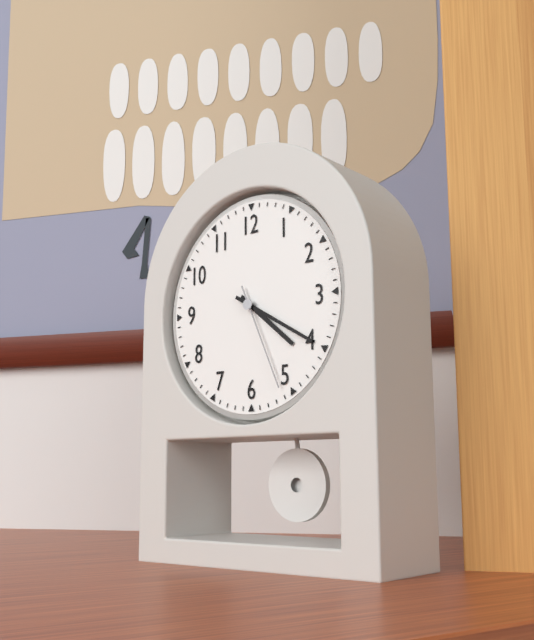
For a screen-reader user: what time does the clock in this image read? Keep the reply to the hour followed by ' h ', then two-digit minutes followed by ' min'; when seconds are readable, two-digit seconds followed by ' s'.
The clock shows 4 h 20 min 26 s
